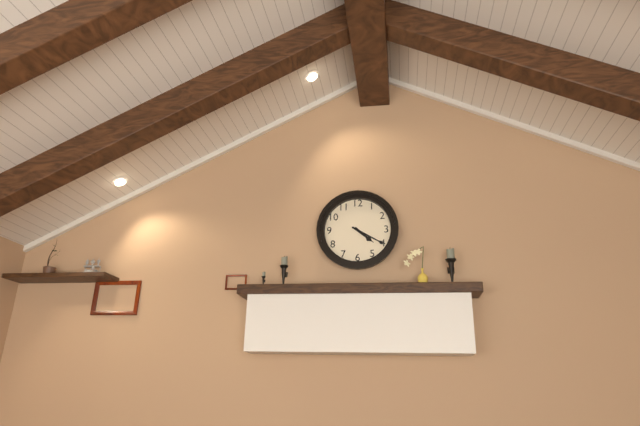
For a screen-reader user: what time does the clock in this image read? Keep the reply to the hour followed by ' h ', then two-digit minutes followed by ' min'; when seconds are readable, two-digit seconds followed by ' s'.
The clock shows 4 h 20 min
